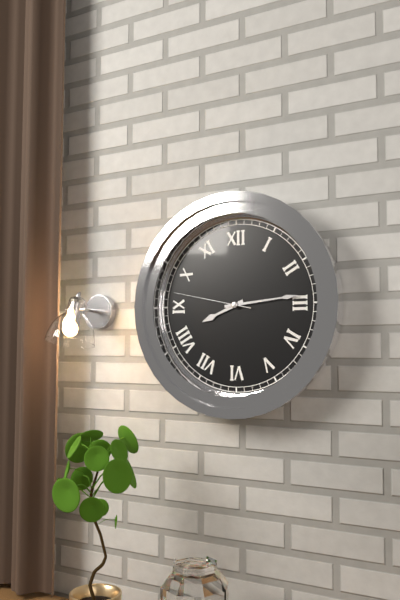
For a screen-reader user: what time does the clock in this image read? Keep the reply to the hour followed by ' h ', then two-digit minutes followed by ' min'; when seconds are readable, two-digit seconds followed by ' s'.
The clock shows 8 h 14 min 47 s
